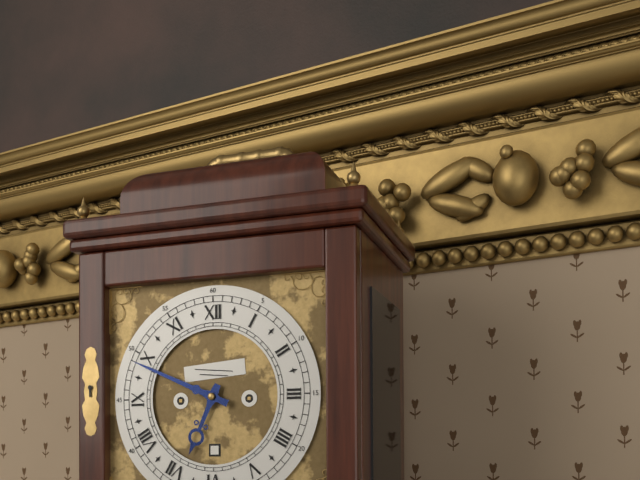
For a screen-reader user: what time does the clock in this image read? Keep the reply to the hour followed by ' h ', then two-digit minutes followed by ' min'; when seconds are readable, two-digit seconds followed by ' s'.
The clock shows 6 h 49 min
